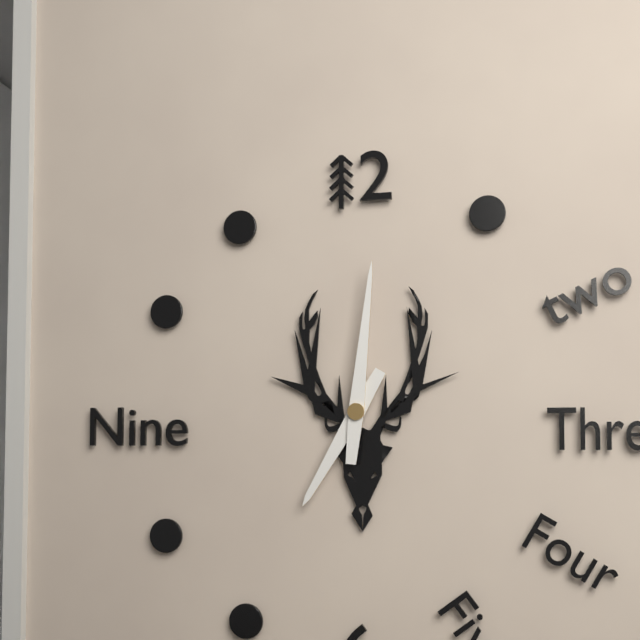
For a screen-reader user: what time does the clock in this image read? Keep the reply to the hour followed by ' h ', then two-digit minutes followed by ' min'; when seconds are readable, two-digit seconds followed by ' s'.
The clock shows 7 h 01 min
